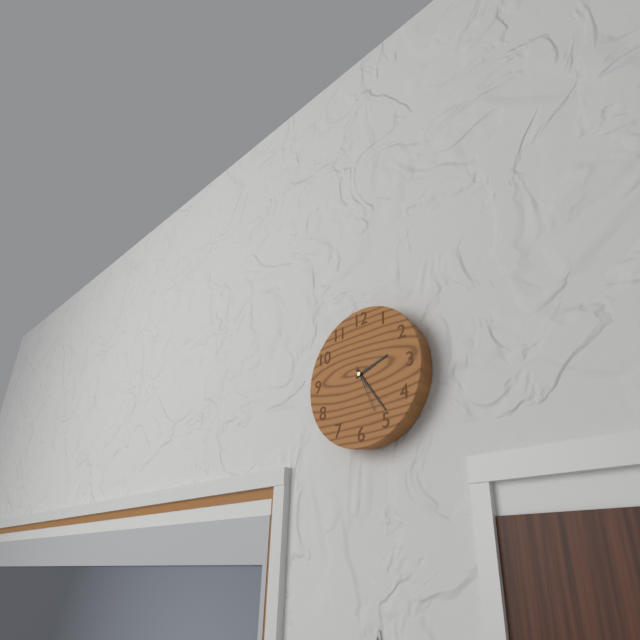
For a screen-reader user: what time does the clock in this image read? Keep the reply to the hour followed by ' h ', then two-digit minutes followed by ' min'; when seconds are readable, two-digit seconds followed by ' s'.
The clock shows 2 h 24 min
